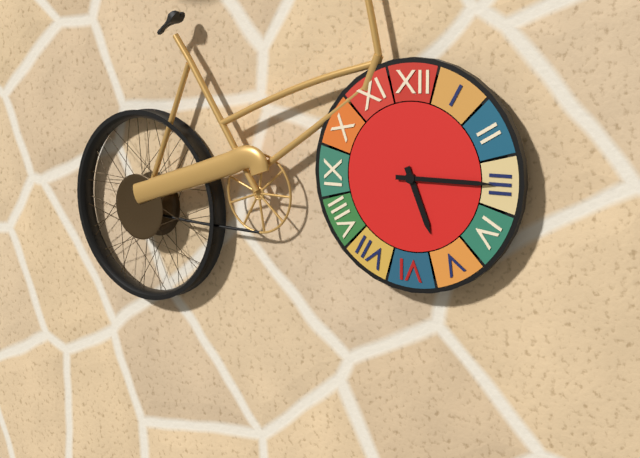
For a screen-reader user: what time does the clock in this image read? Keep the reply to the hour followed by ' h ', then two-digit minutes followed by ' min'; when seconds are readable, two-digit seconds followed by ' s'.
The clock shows 5 h 15 min
